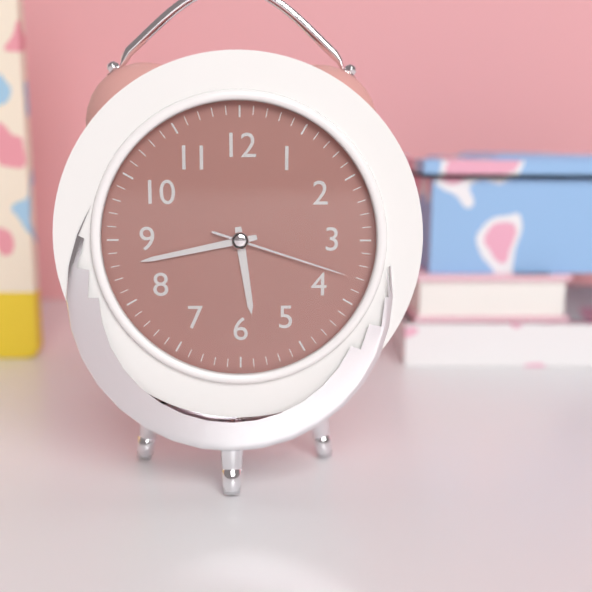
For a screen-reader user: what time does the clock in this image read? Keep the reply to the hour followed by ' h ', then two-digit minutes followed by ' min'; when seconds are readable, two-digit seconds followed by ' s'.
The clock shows 5 h 43 min 18 s
